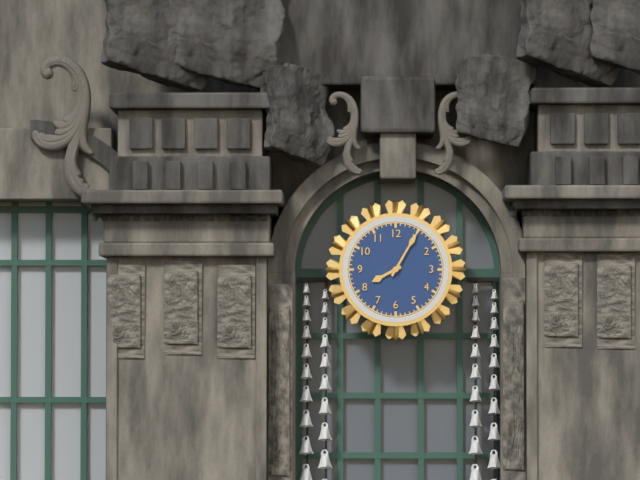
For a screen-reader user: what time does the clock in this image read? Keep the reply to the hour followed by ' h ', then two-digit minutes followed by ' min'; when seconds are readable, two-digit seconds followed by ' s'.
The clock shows 8 h 05 min
